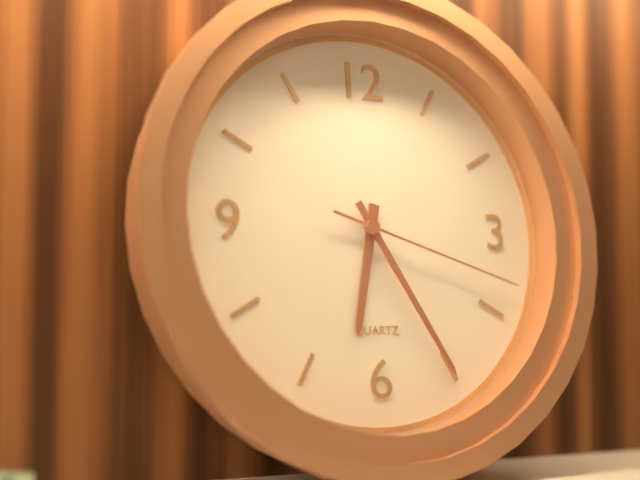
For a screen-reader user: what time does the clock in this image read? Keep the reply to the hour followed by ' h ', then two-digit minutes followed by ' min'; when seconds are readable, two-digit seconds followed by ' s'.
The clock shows 6 h 25 min 18 s
